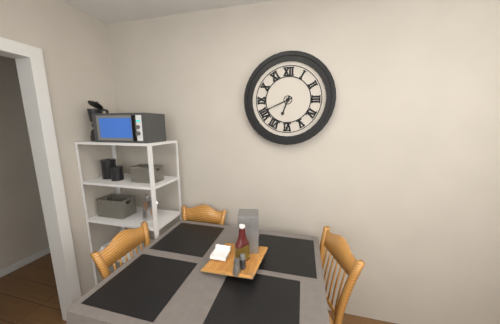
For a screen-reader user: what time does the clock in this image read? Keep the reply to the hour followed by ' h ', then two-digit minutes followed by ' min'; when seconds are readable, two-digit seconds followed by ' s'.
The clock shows 6 h 41 min
